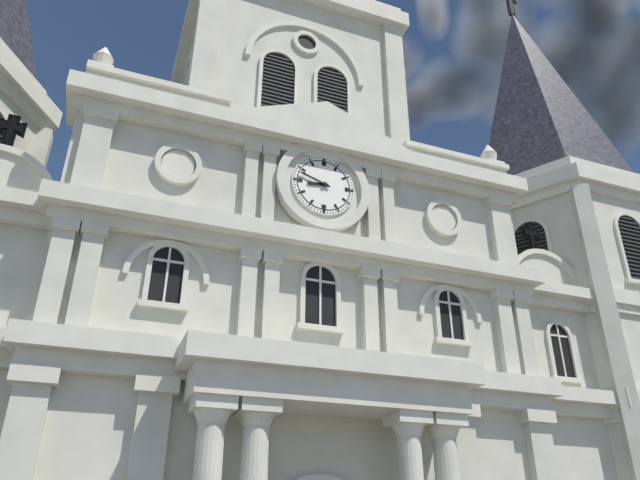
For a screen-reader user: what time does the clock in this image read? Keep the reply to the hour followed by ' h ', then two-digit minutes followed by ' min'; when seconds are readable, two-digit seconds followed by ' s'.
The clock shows 8 h 48 min
